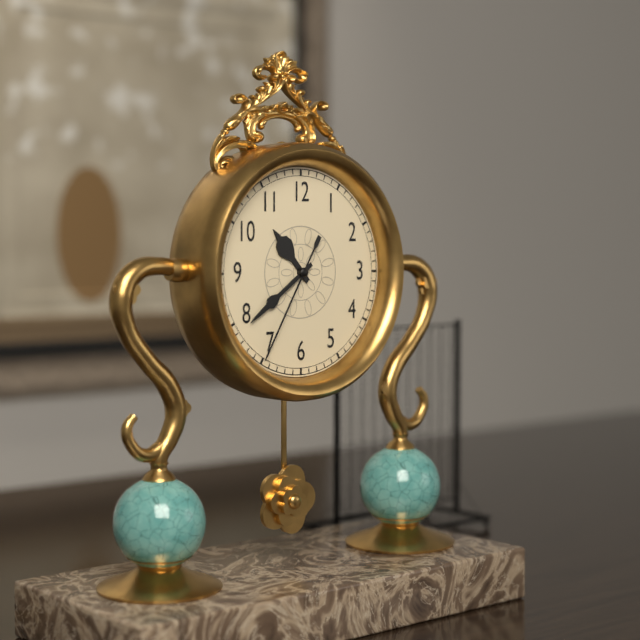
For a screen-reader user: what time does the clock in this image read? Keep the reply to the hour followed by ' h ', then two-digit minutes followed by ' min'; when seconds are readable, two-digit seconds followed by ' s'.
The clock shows 10 h 39 min 35 s
